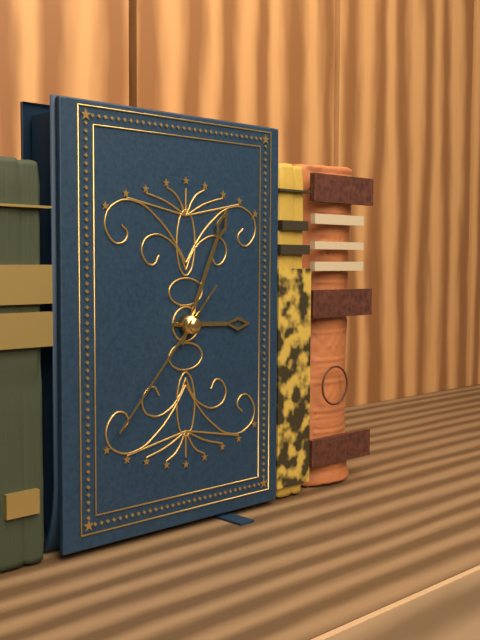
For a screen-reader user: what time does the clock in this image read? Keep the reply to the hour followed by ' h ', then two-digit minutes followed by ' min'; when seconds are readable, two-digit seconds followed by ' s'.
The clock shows 3 h 04 min 37 s
